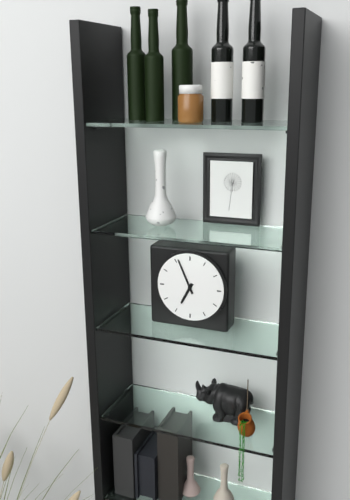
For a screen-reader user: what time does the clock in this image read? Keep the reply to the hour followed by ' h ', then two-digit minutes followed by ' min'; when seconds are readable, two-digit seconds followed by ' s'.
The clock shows 6 h 56 min
